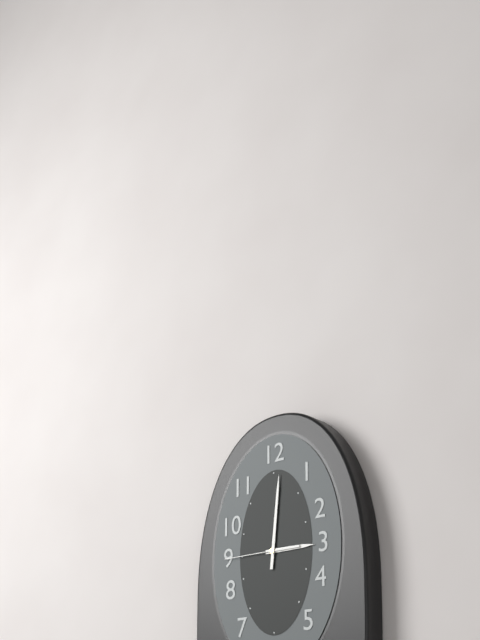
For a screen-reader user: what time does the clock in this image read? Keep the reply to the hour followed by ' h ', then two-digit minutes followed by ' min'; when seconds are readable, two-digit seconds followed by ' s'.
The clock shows 3 h 01 min 45 s
